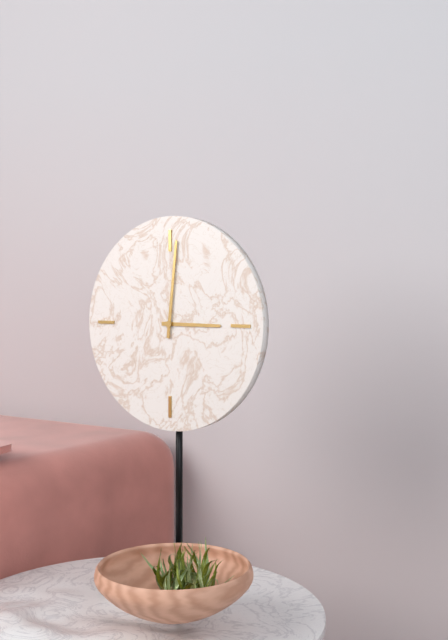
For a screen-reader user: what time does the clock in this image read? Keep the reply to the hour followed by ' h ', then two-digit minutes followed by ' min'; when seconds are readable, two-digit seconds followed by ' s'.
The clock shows 3 h 01 min
